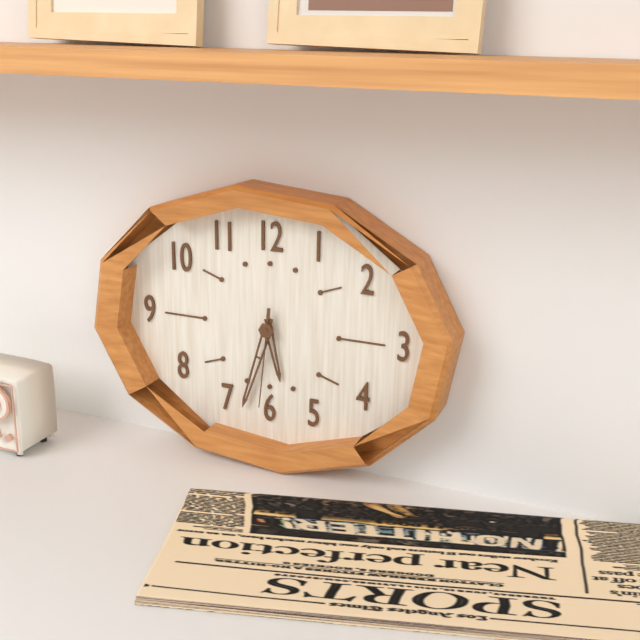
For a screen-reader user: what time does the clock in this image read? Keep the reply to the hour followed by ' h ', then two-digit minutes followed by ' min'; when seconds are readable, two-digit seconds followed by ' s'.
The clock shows 5 h 33 min 31 s
